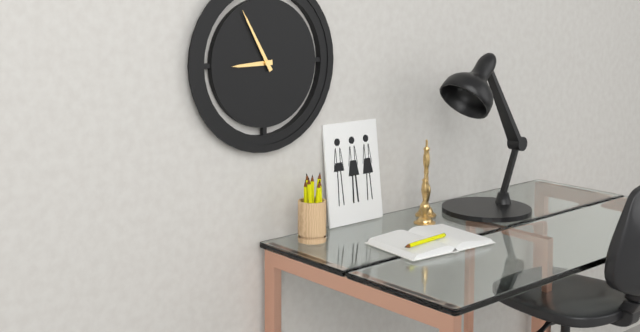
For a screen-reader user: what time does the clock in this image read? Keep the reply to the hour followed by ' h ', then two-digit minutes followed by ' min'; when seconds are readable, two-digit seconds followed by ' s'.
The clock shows 8 h 55 min
